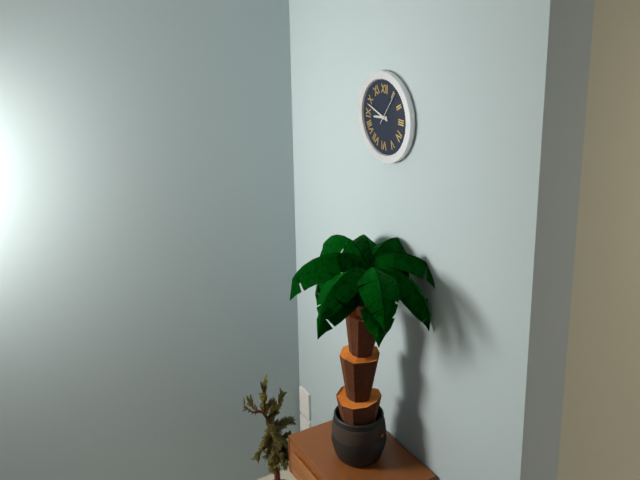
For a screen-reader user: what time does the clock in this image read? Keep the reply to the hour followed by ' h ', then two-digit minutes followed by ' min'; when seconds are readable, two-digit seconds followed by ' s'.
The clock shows 8 h 48 min
